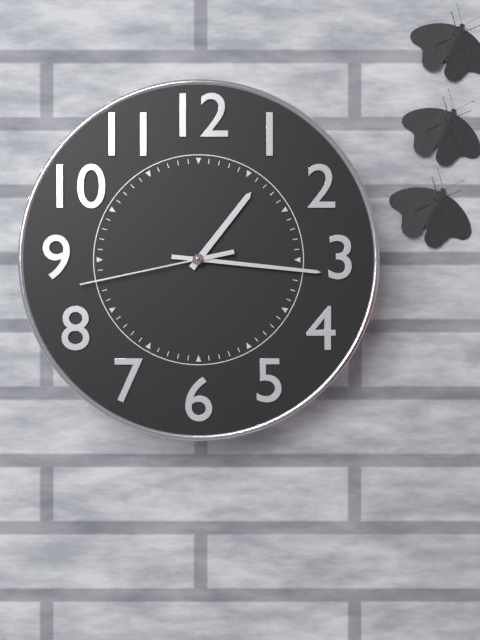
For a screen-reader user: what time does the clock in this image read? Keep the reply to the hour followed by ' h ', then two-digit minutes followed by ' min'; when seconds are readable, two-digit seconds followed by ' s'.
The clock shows 1 h 16 min 43 s
